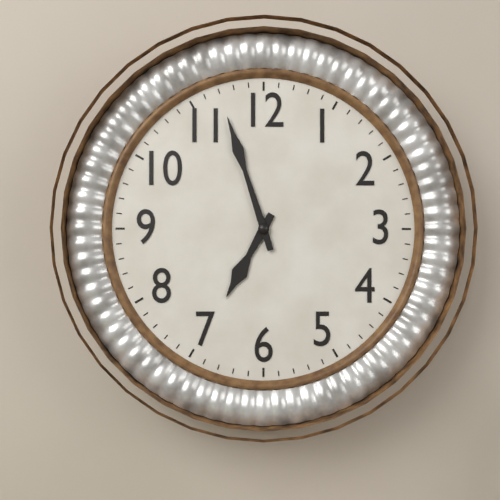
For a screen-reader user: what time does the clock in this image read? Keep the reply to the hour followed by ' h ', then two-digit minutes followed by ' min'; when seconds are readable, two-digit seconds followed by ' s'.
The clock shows 6 h 57 min
